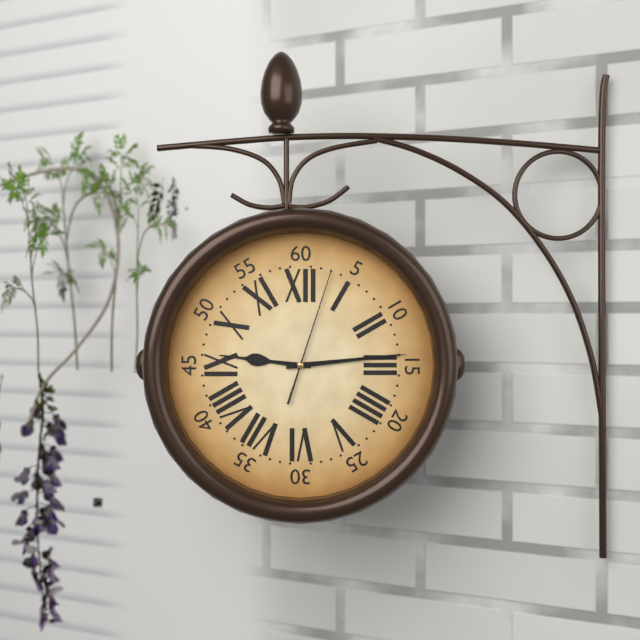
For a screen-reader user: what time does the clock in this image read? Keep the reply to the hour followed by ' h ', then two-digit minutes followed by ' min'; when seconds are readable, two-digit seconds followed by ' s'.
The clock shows 9 h 14 min 03 s
